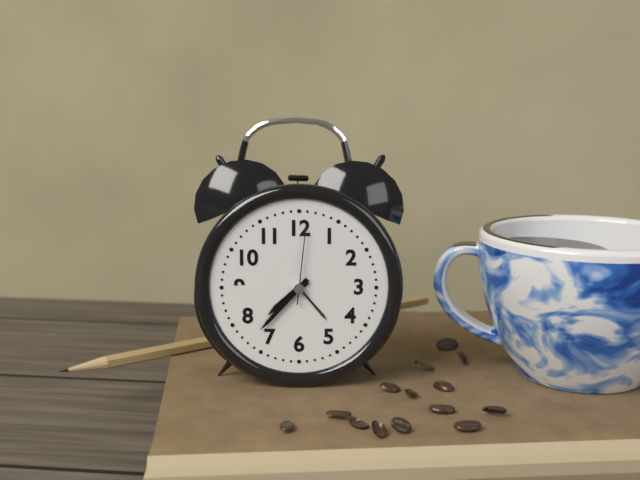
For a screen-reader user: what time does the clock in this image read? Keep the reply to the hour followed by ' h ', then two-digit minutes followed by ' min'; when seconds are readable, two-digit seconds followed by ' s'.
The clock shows 7 h 37 min 01 s
